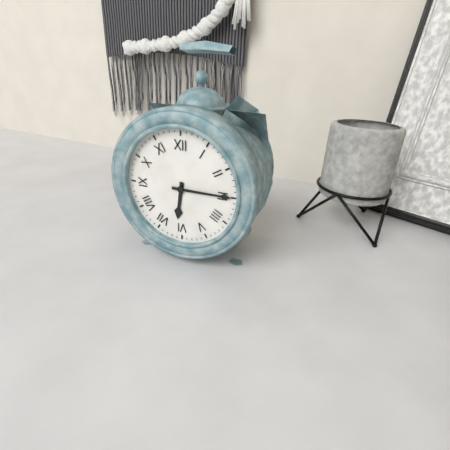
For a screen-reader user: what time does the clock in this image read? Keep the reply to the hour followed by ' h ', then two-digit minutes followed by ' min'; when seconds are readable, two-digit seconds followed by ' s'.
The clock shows 6 h 15 min
